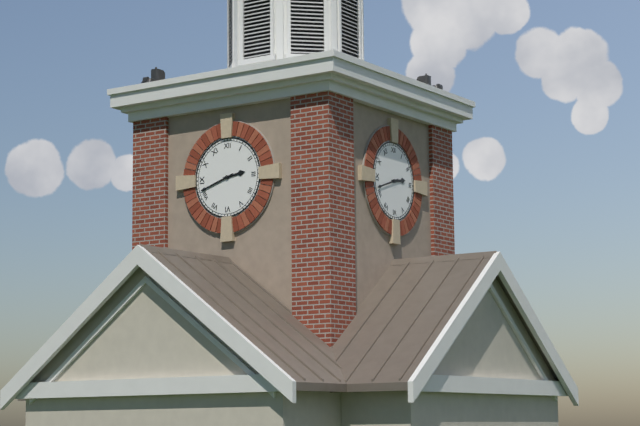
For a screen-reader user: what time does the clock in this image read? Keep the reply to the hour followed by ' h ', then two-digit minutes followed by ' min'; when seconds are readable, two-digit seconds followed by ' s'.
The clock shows 2 h 42 min
